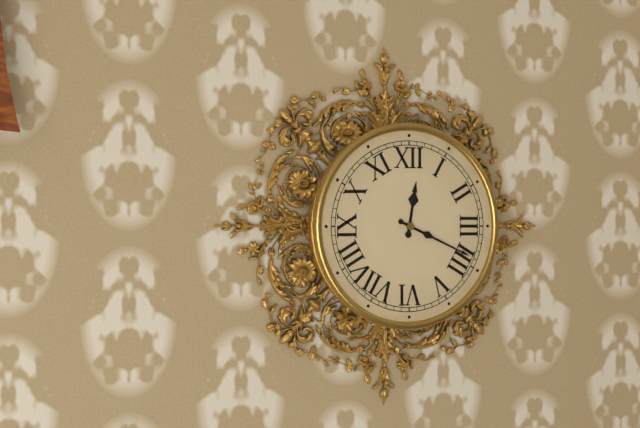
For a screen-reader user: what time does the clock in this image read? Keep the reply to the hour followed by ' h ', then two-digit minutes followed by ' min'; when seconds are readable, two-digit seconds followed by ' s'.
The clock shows 12 h 19 min
